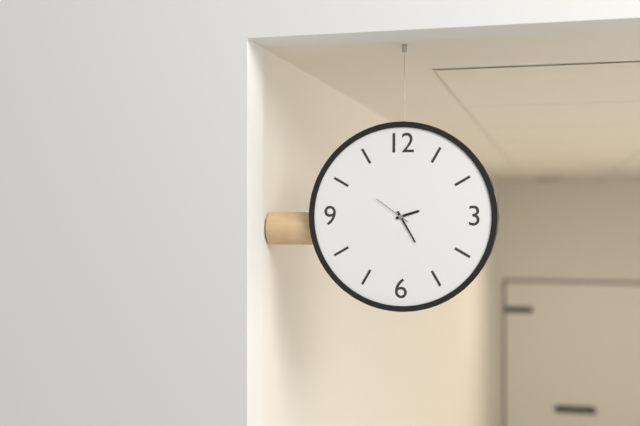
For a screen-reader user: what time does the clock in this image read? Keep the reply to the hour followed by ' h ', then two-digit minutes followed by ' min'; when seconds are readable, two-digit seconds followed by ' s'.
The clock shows 2 h 25 min
